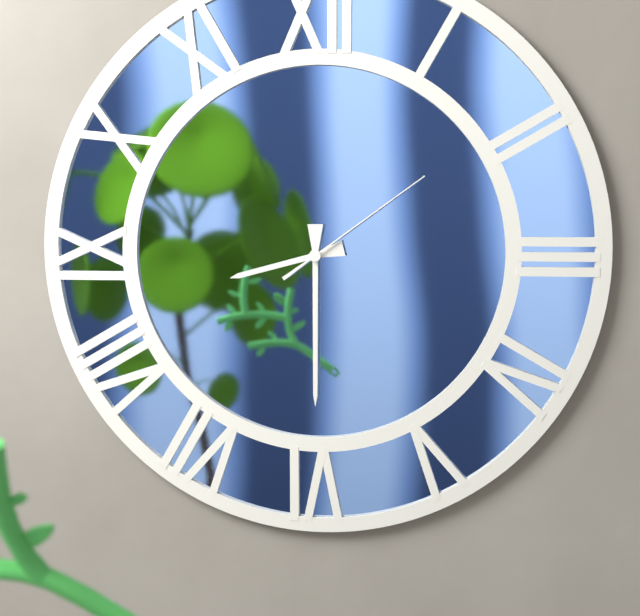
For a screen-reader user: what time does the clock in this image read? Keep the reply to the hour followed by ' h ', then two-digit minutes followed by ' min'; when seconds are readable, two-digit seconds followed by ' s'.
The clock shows 8 h 30 min 09 s
